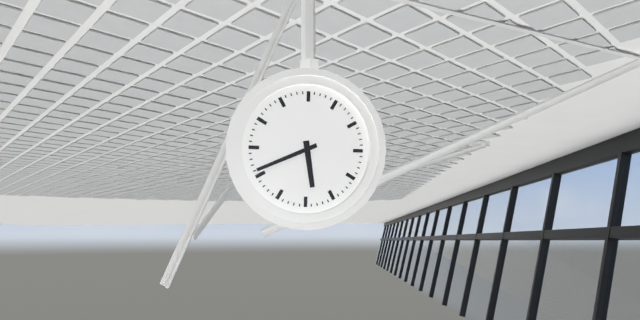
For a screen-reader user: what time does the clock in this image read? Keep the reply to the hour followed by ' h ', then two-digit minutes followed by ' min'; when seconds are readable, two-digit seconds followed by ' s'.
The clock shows 5 h 41 min
